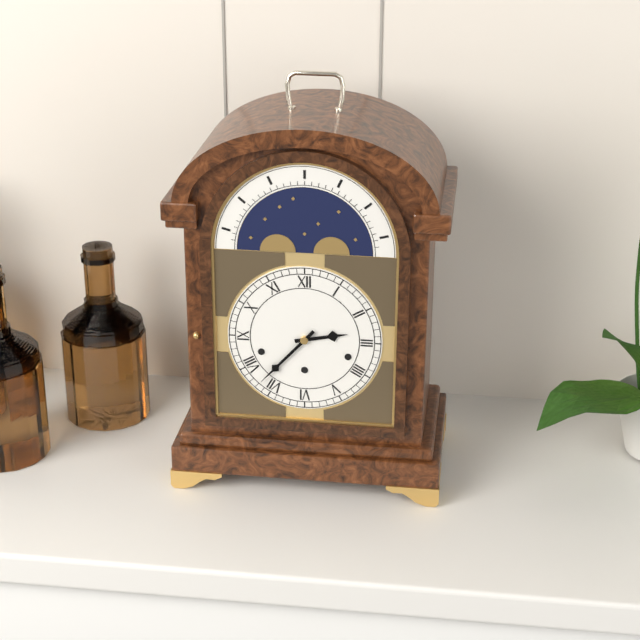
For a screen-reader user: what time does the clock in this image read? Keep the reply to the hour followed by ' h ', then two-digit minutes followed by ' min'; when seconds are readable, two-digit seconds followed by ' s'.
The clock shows 2 h 37 min
